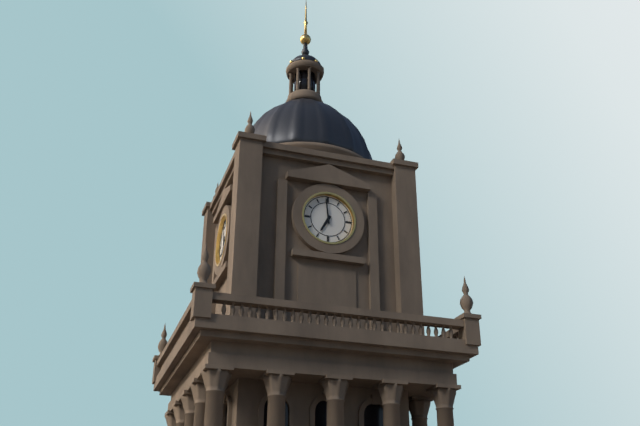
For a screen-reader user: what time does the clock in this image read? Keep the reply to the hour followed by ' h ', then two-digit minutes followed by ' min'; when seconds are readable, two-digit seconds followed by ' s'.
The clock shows 6 h 59 min
